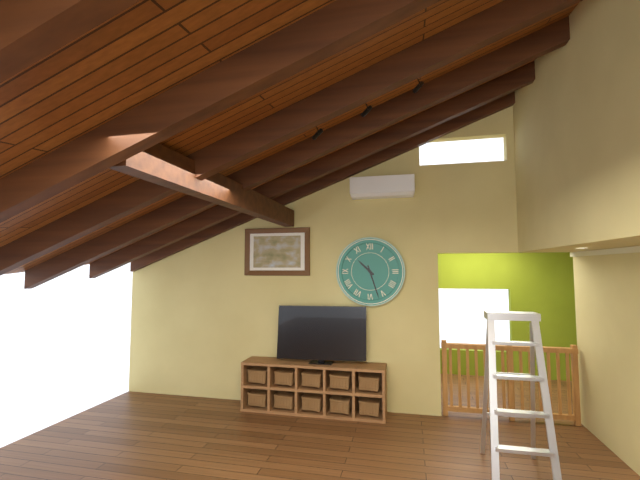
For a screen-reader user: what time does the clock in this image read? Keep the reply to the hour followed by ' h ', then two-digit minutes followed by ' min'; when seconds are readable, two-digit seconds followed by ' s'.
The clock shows 10 h 27 min
